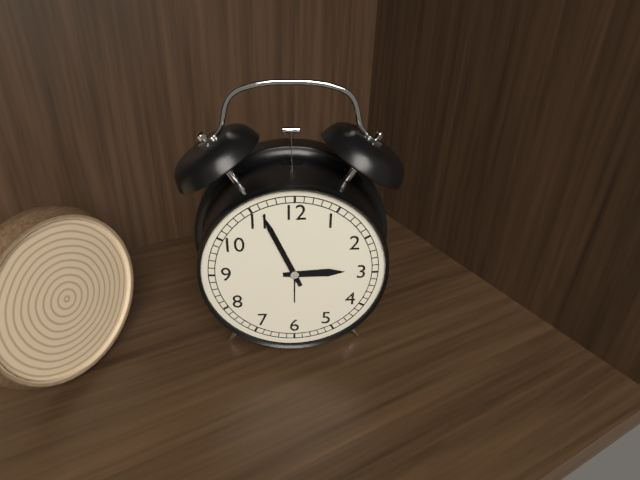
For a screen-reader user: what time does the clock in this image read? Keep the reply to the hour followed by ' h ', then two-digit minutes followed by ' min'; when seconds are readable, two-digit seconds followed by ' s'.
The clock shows 2 h 56 min
